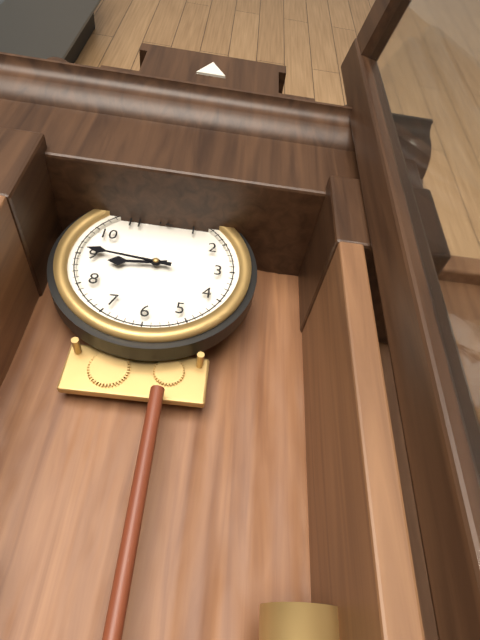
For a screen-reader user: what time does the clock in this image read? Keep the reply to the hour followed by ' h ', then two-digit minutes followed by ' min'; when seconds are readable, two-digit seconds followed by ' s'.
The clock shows 8 h 46 min
